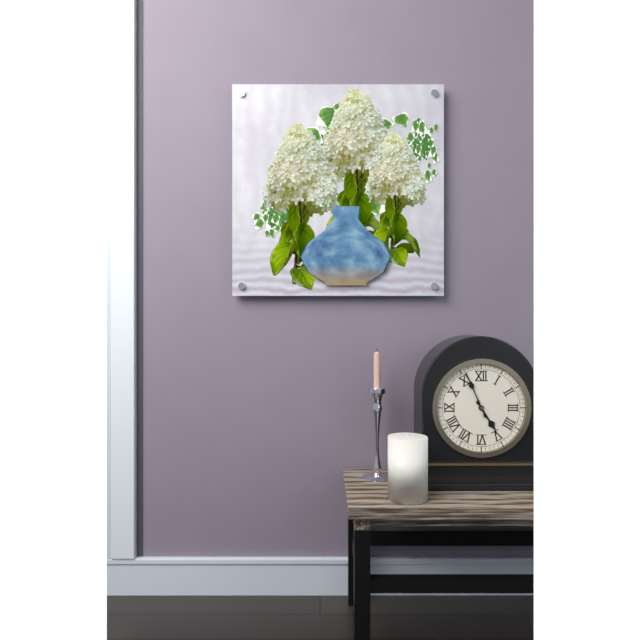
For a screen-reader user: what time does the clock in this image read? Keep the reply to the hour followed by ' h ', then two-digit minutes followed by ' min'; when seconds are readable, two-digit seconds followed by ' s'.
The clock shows 4 h 56 min
